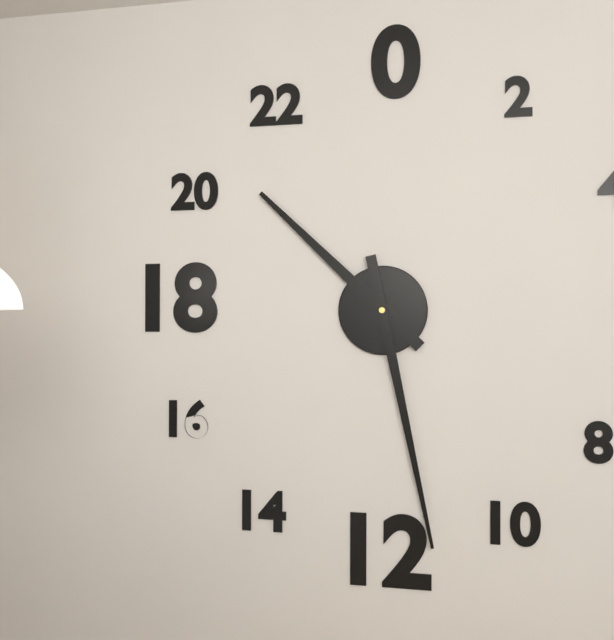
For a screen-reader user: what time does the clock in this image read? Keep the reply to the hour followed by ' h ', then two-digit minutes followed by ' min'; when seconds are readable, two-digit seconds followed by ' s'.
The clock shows 10 h 28 min
